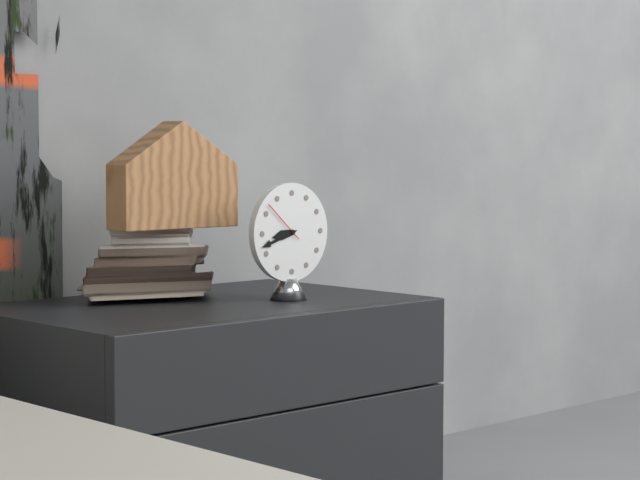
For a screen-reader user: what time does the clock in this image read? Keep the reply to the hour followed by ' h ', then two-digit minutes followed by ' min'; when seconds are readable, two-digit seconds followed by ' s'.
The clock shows 8 h 42 min
